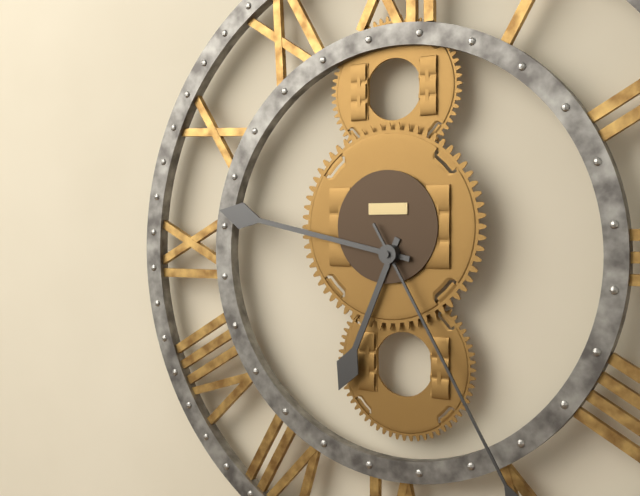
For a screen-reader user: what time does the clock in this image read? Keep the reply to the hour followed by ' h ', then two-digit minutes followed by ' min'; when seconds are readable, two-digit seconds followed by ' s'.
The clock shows 6 h 47 min
